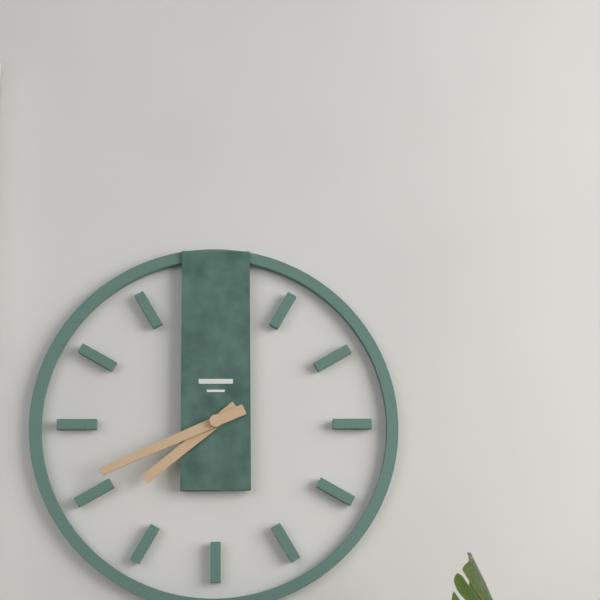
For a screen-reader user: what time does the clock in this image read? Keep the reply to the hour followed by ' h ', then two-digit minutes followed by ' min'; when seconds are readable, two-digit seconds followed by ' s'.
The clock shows 7 h 41 min
